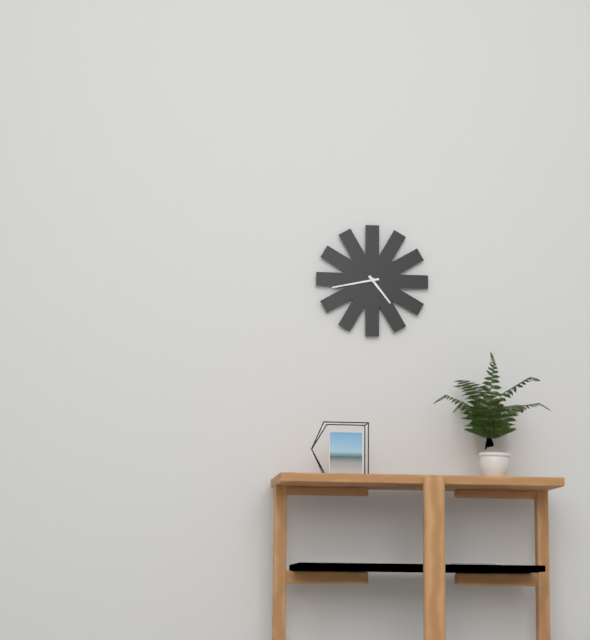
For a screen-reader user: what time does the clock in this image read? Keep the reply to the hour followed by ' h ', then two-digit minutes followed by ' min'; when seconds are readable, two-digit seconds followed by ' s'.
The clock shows 4 h 43 min
